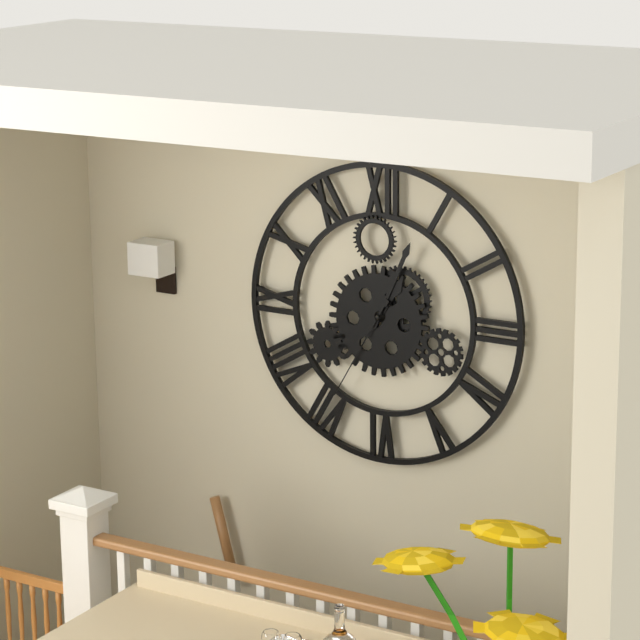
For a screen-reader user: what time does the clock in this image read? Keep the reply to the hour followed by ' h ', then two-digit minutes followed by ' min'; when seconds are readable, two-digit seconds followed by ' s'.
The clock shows 1 h 04 min 35 s
